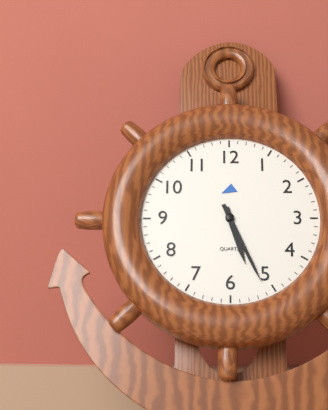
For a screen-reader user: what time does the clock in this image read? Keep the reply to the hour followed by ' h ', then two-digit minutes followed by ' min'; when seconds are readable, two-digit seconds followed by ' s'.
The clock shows 5 h 26 min
